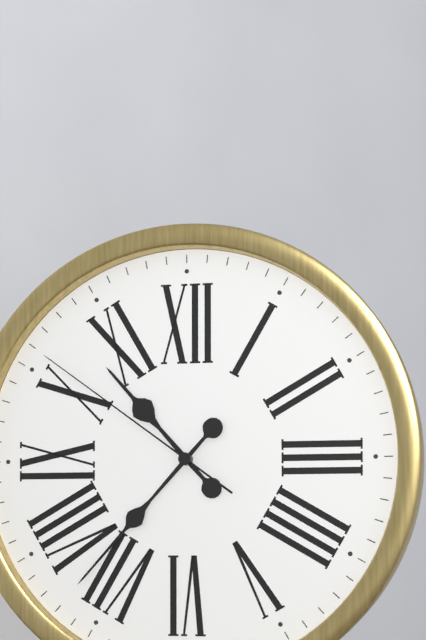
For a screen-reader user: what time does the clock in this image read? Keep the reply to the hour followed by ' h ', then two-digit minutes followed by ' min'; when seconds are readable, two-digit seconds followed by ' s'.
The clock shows 10 h 37 min 51 s
